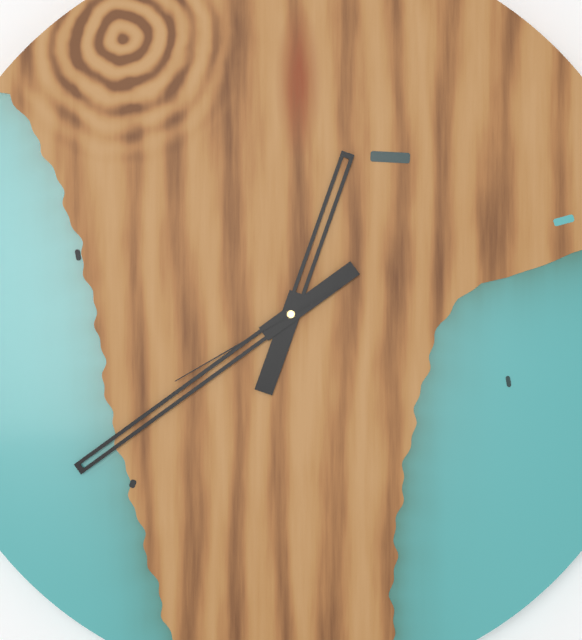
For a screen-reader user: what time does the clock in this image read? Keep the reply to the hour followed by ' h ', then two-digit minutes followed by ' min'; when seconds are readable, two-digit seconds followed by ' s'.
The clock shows 12 h 39 min 40 s
